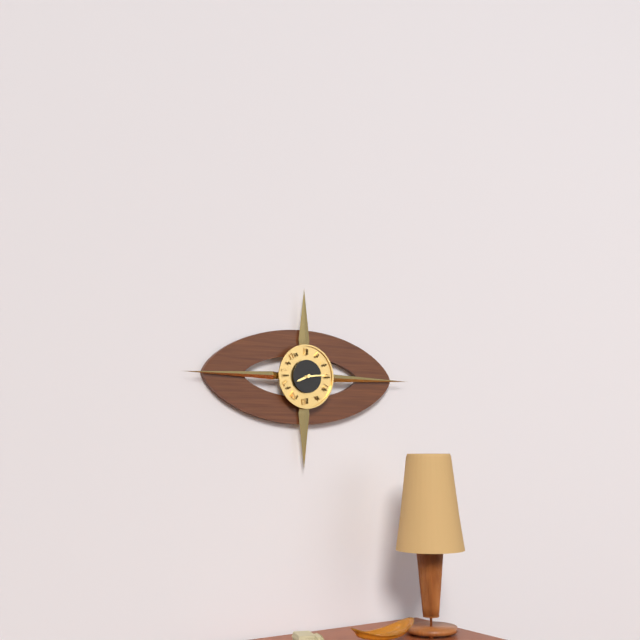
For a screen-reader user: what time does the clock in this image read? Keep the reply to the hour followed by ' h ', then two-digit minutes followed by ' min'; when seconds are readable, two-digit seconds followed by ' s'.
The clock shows 8 h 14 min
